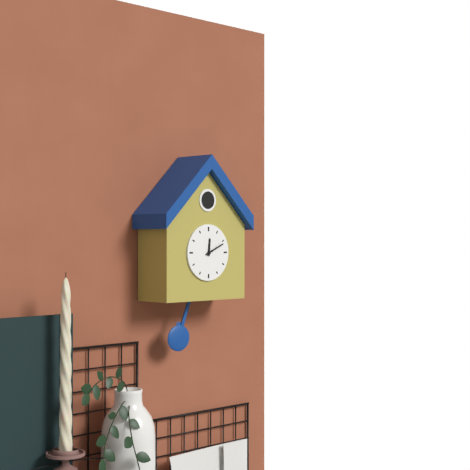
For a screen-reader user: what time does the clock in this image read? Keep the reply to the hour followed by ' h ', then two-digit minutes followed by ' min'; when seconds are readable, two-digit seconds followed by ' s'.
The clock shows 12 h 11 min
